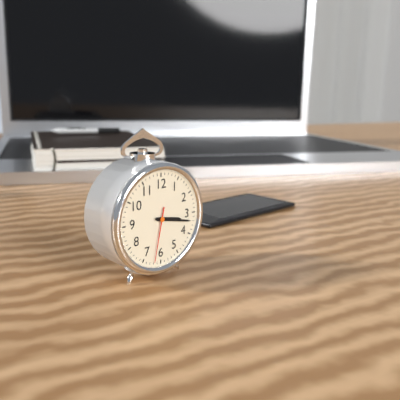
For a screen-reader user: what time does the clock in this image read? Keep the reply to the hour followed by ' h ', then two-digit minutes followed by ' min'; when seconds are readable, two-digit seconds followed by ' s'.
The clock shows 3 h 17 min 32 s
